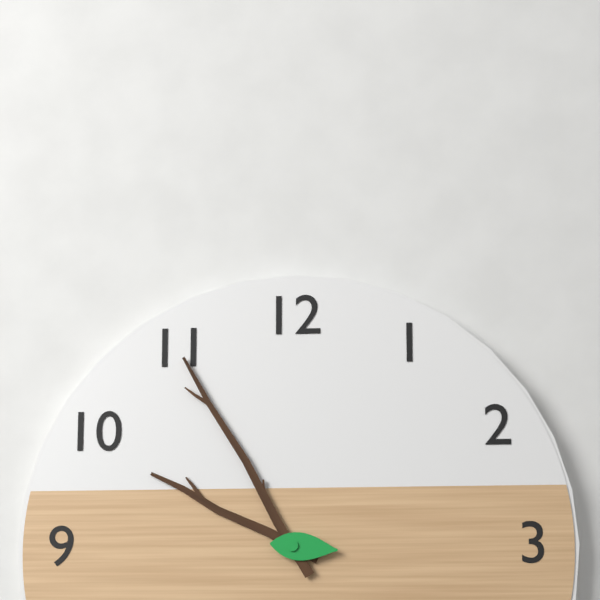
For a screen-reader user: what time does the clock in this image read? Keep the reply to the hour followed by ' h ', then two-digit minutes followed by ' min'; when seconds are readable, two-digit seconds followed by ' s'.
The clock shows 9 h 55 min 16 s
